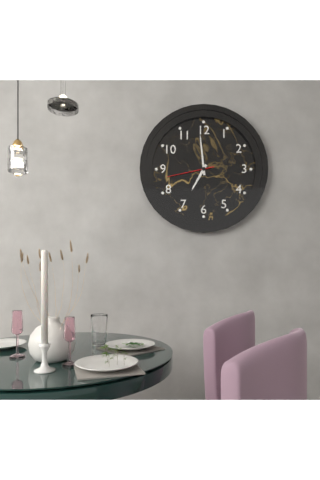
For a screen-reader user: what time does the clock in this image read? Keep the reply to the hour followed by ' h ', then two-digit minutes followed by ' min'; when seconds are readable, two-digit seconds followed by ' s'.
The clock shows 6 h 59 min
